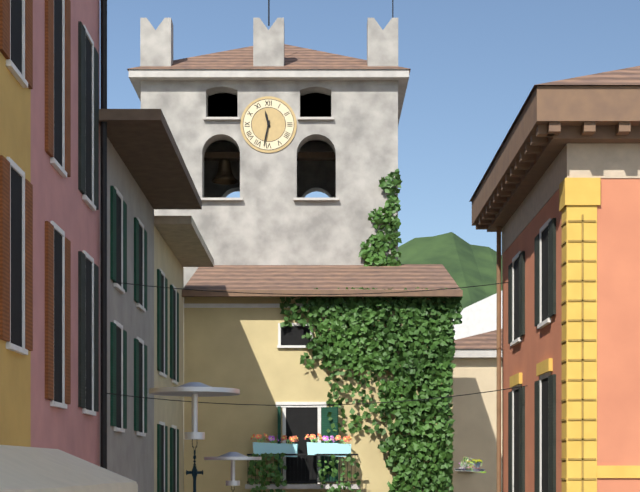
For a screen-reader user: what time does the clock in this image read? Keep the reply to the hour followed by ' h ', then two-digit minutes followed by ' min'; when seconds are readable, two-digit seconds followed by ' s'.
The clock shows 11 h 32 min
